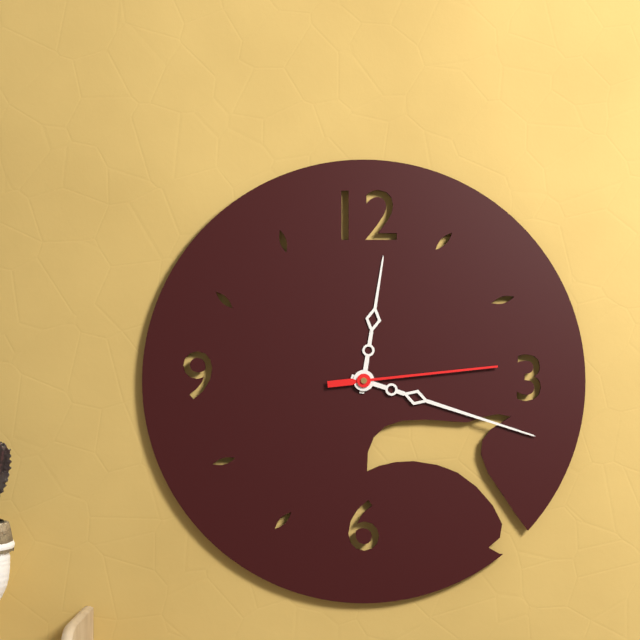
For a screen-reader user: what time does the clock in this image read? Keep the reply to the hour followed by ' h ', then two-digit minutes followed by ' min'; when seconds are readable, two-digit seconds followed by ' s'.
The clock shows 12 h 18 min 14 s
